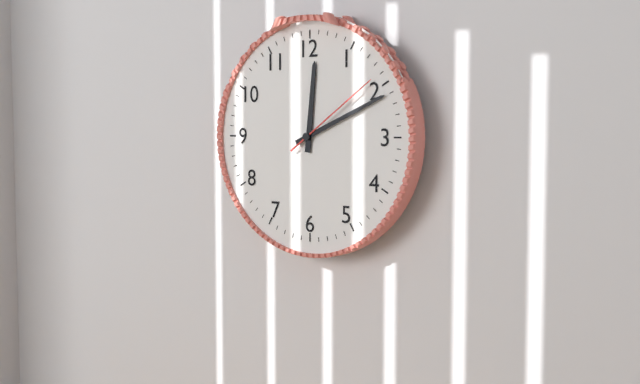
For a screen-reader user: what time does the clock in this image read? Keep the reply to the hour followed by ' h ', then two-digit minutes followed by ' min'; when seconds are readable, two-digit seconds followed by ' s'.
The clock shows 12 h 11 min 09 s
